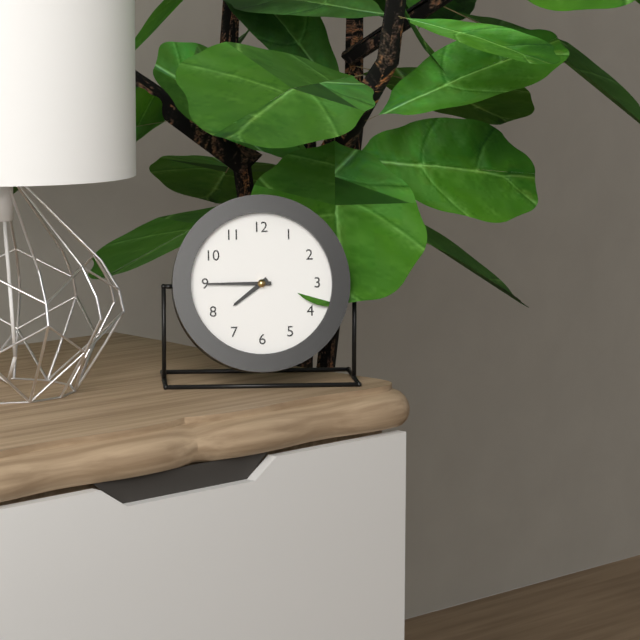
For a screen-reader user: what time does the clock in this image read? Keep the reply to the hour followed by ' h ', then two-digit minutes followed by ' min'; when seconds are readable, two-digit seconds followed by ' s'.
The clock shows 7 h 45 min
